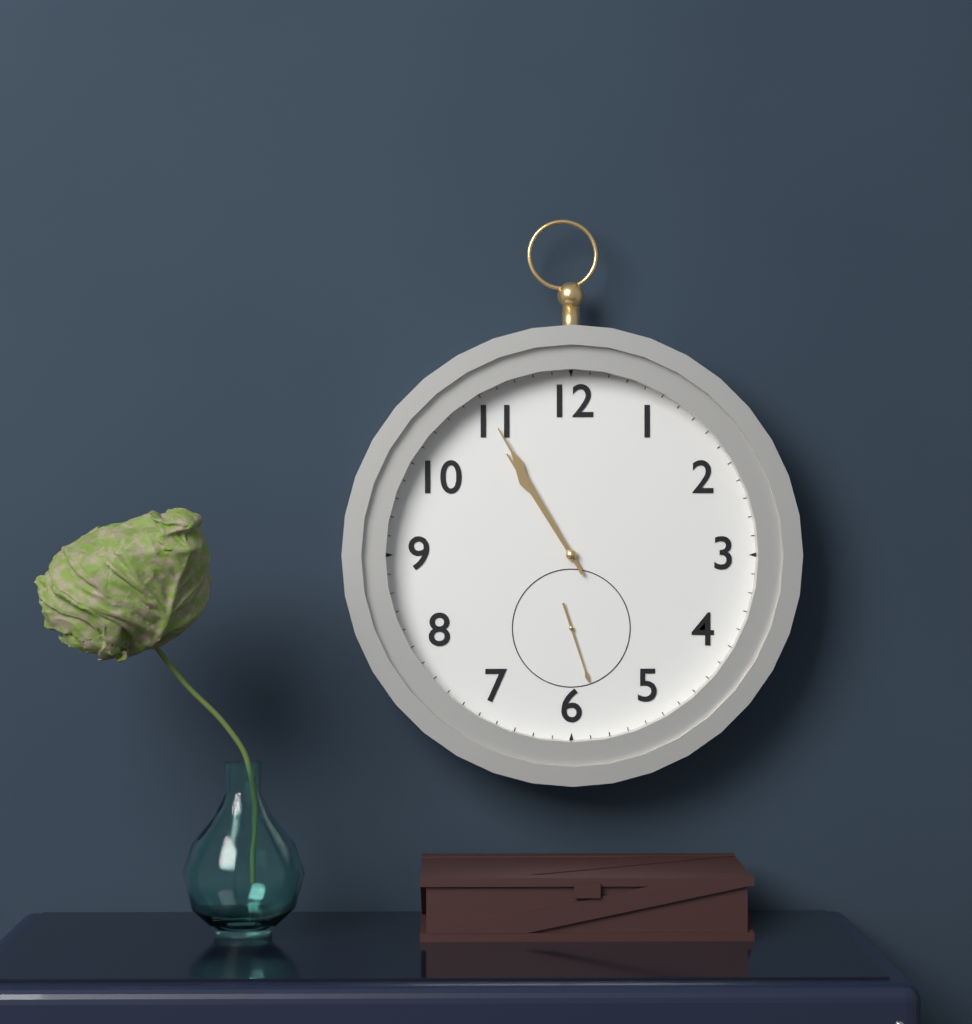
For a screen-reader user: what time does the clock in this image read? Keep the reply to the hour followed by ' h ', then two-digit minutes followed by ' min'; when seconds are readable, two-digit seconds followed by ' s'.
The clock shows 10 h 55 min 27 s
